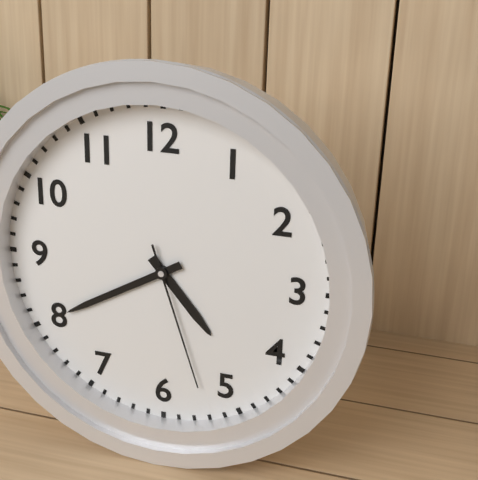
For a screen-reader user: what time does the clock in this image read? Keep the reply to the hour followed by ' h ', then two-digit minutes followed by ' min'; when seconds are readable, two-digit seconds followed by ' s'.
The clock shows 4 h 40 min 27 s
